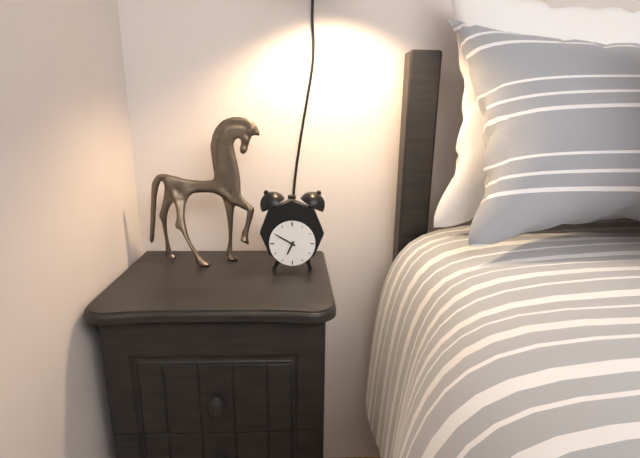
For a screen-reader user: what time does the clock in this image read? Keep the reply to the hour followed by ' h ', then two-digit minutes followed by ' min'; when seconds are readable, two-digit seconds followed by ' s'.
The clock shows 6 h 50 min
